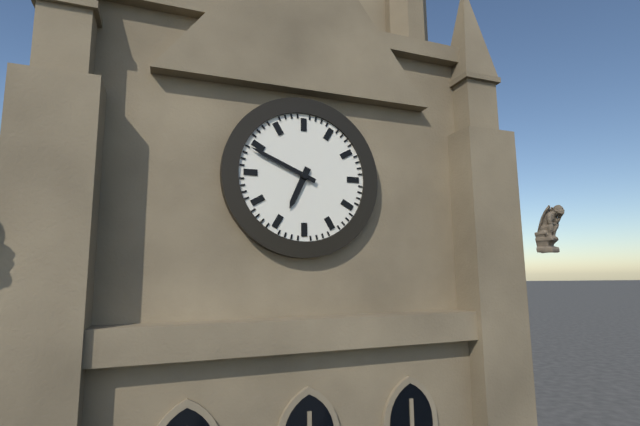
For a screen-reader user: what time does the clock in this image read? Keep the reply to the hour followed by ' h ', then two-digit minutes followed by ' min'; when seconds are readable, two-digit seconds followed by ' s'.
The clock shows 6 h 49 min
